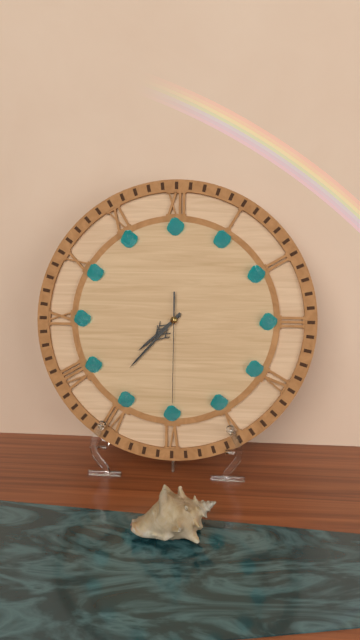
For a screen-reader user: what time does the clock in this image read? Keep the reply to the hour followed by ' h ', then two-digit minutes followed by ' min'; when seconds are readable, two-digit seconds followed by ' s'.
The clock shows 7 h 37 min 30 s
